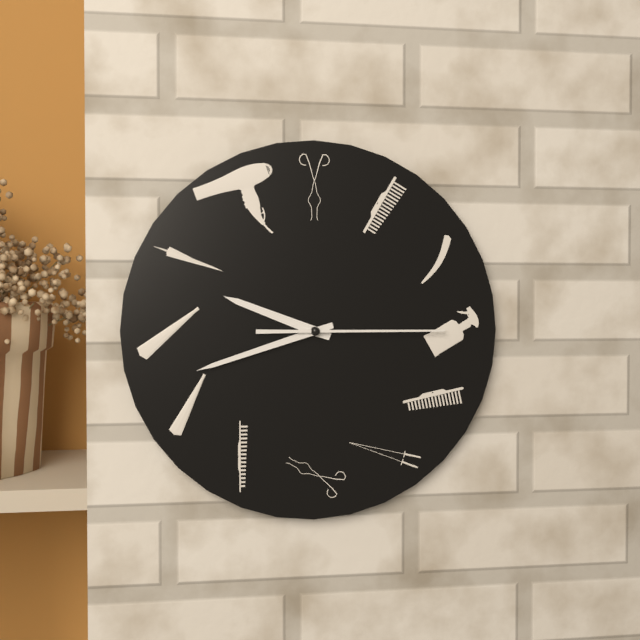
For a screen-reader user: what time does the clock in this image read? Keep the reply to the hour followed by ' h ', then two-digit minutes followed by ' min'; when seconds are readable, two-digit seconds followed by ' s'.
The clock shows 9 h 42 min 15 s
